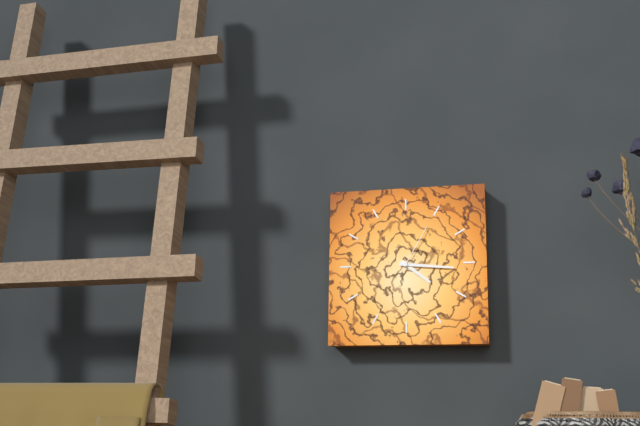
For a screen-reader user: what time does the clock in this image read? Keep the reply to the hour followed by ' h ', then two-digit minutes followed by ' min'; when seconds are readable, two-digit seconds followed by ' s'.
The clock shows 4 h 16 min 05 s
